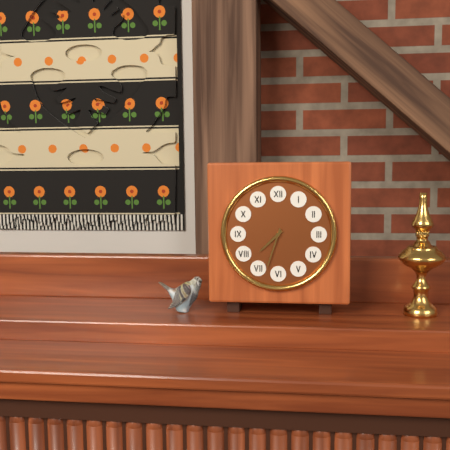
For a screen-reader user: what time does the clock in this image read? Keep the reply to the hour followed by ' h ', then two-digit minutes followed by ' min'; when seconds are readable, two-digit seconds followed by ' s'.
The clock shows 7 h 33 min
